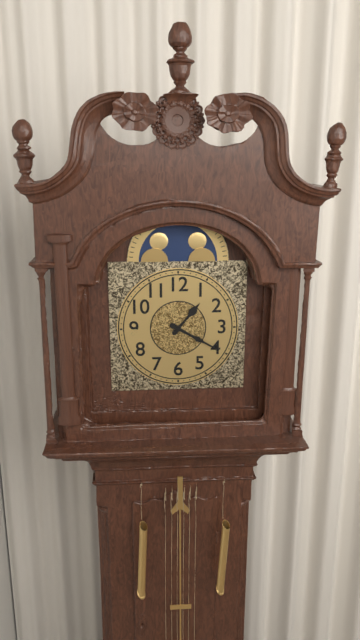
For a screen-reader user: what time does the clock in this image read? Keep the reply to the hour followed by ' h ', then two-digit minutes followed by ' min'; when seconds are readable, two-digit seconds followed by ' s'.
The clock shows 1 h 20 min
